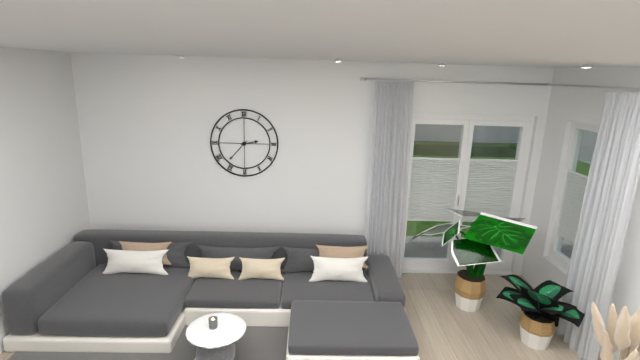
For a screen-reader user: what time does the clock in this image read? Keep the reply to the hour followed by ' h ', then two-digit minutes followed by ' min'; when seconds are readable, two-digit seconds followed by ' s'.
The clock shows 2 h 37 min
